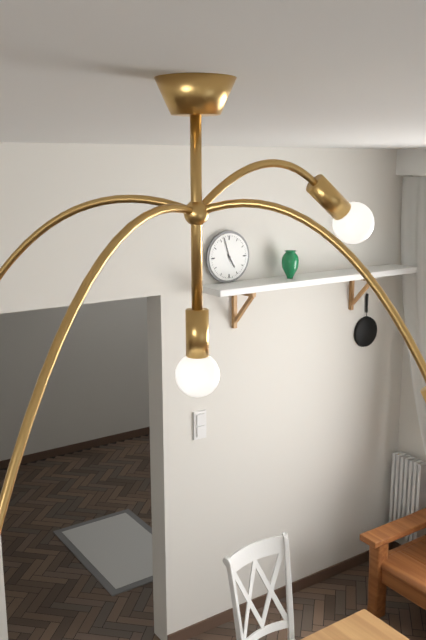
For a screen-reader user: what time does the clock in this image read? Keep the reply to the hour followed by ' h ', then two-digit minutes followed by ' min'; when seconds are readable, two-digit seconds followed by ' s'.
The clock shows 4 h 57 min
